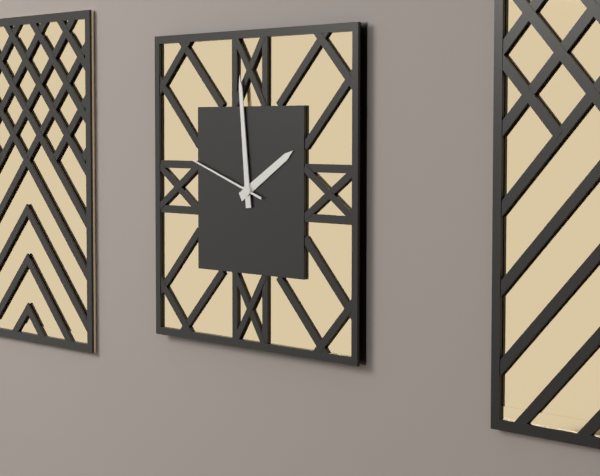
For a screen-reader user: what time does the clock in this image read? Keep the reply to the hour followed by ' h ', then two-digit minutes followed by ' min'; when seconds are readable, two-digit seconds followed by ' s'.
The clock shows 1 h 59 min 48 s
